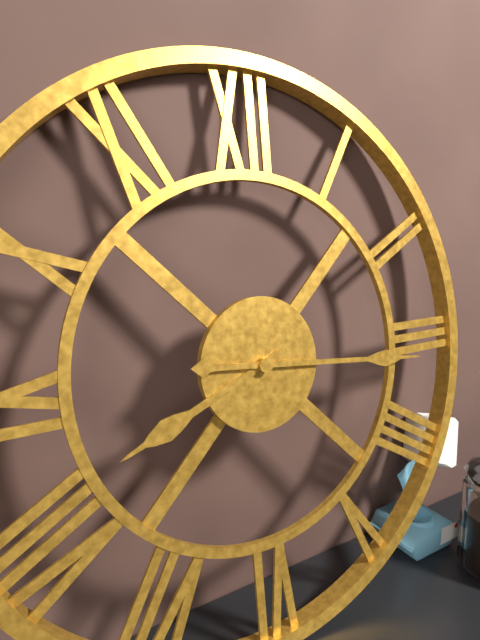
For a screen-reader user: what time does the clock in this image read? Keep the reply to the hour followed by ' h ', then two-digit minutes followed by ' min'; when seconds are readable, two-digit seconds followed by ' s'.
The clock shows 8 h 16 min
